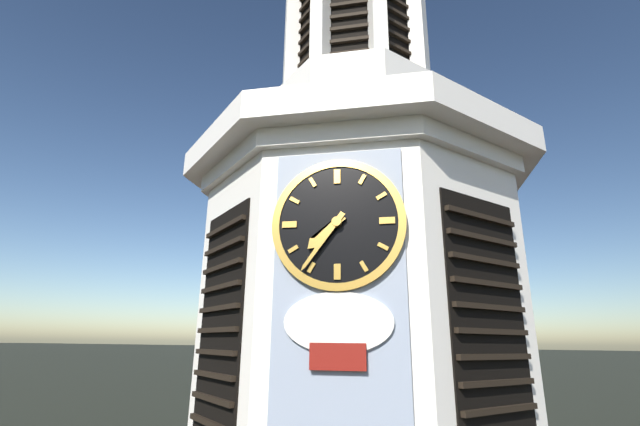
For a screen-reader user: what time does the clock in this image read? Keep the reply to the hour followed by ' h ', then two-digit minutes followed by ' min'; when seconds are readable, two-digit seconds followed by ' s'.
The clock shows 7 h 36 min
